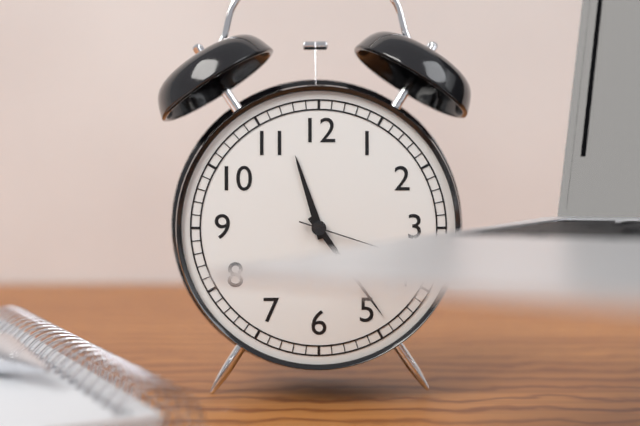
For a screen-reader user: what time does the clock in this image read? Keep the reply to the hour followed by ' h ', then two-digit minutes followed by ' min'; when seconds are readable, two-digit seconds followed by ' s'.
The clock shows 11 h 24 min 18 s
